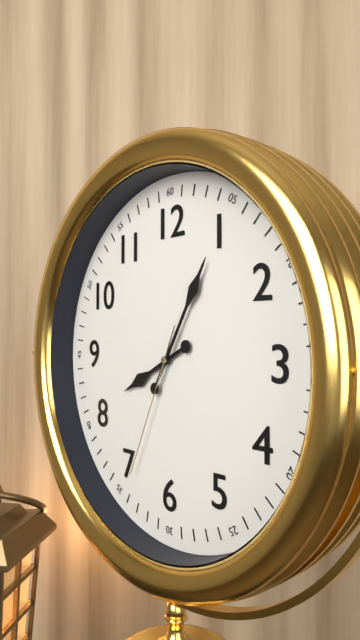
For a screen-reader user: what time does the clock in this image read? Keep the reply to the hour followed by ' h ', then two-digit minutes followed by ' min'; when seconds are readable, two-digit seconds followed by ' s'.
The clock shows 8 h 05 min 34 s
